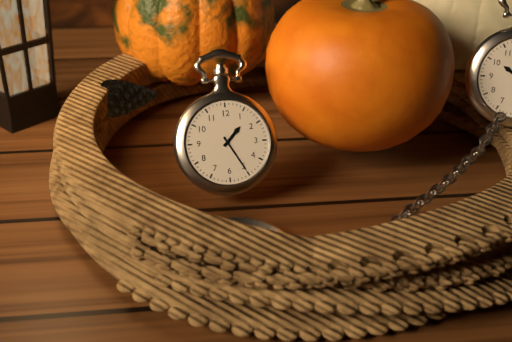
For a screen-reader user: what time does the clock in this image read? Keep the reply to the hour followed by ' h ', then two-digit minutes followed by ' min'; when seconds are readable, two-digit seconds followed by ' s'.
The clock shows 1 h 25 min
